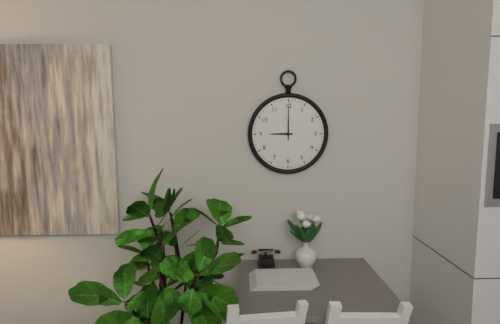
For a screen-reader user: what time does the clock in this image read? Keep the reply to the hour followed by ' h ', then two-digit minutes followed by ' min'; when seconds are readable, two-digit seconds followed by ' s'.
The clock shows 9 h 00 min
